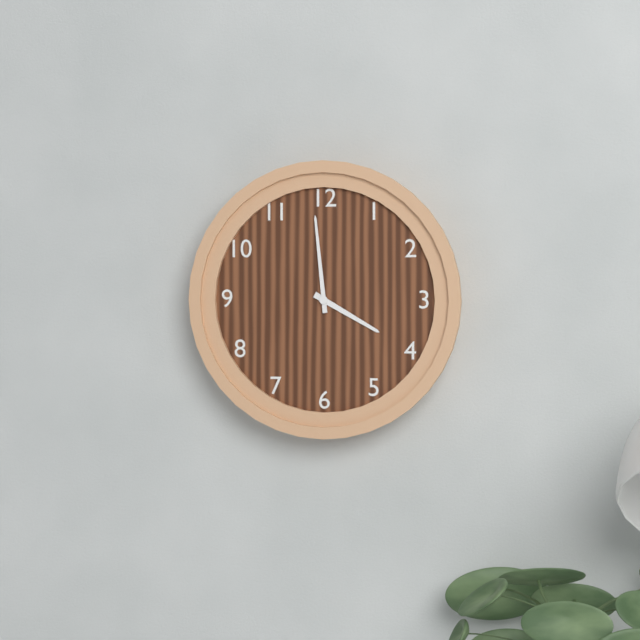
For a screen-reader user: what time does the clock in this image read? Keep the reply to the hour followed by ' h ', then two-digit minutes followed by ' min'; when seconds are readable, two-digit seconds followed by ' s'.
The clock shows 3 h 59 min
